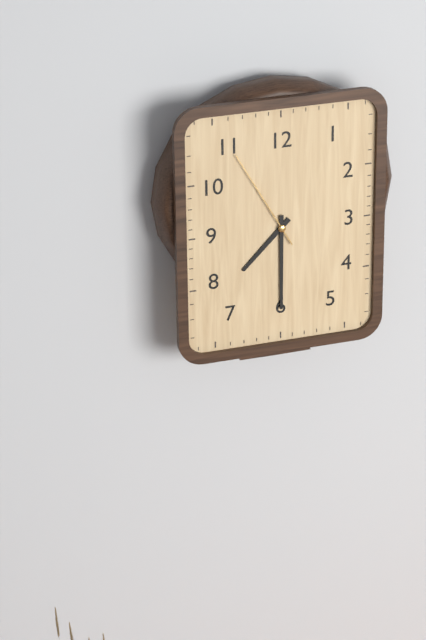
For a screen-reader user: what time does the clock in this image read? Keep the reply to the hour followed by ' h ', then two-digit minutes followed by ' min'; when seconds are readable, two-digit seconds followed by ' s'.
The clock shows 7 h 30 min 55 s
